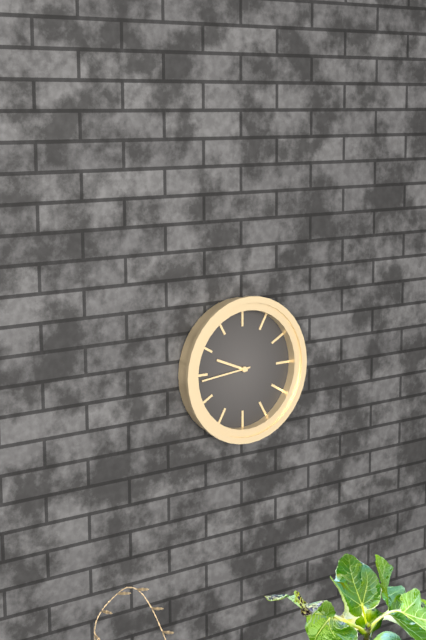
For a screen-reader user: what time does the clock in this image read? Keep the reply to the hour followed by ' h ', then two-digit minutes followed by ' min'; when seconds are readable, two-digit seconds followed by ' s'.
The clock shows 9 h 44 min
